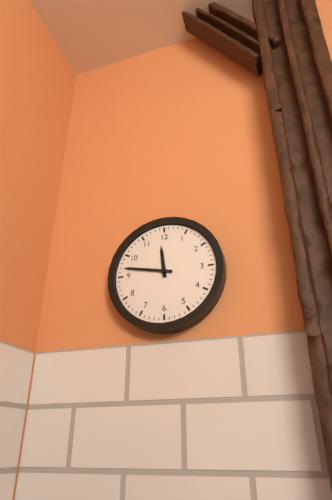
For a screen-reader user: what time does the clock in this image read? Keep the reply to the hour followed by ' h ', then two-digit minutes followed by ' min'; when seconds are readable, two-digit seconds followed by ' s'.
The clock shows 11 h 47 min
